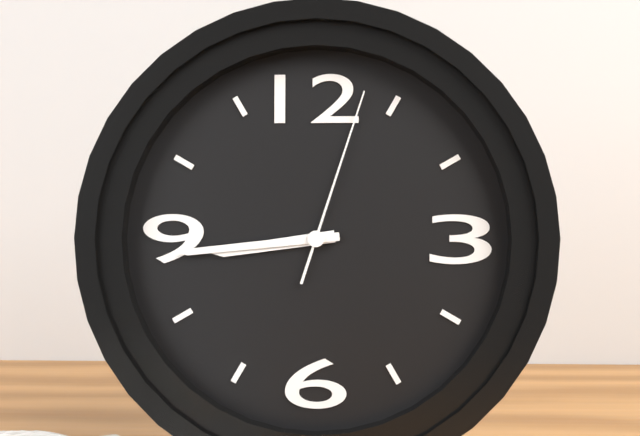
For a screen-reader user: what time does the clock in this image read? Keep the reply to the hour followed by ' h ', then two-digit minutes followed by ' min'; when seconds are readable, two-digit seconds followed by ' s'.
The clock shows 8 h 44 min 03 s
